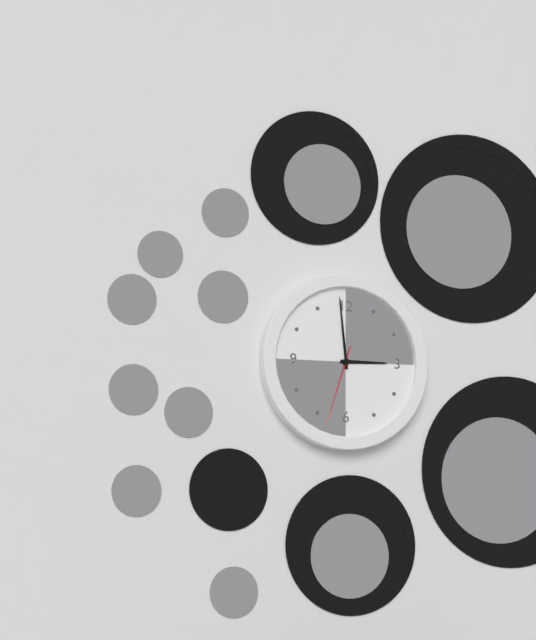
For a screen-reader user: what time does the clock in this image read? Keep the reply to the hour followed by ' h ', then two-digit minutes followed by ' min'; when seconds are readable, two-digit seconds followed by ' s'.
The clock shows 2 h 59 min 33 s
